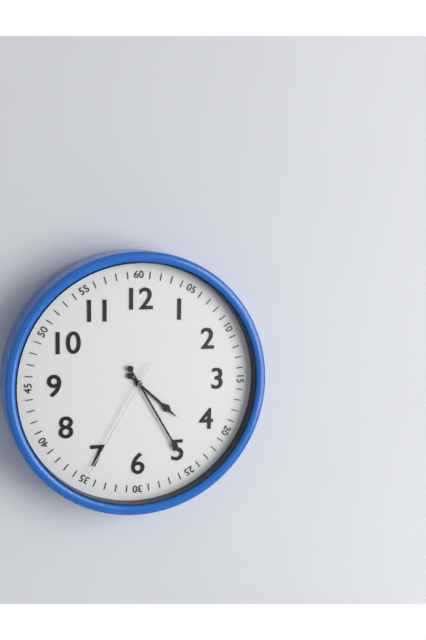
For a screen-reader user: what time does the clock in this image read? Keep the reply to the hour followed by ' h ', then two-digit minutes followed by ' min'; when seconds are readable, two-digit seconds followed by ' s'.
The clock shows 4 h 25 min 35 s
